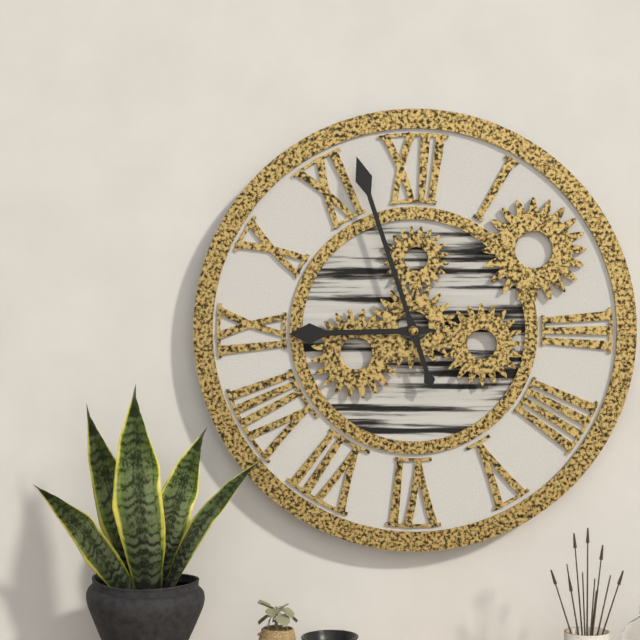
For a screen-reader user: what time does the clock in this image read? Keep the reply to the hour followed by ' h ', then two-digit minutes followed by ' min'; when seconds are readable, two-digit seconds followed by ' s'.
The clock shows 8 h 57 min
